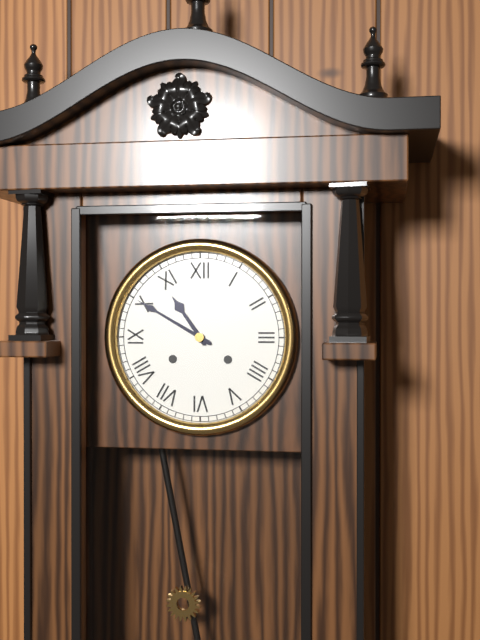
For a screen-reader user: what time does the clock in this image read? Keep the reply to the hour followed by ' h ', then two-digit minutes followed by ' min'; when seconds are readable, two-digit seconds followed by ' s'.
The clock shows 10 h 50 min
